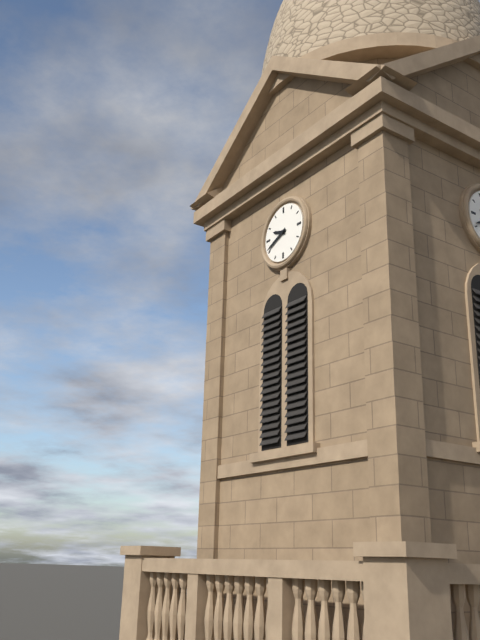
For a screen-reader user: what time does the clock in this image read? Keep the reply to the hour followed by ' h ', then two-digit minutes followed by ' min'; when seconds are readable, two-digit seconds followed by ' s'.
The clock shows 9 h 41 min
